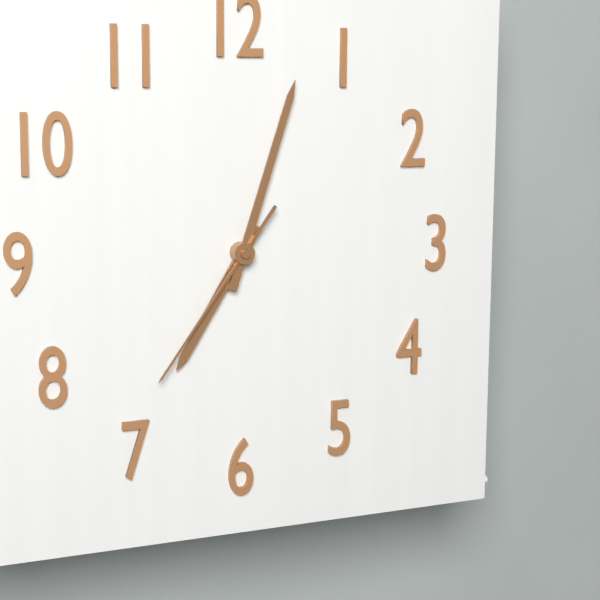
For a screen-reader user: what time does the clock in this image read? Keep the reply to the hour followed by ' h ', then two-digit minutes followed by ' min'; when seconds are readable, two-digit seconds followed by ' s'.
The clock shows 7 h 03 min 36 s
